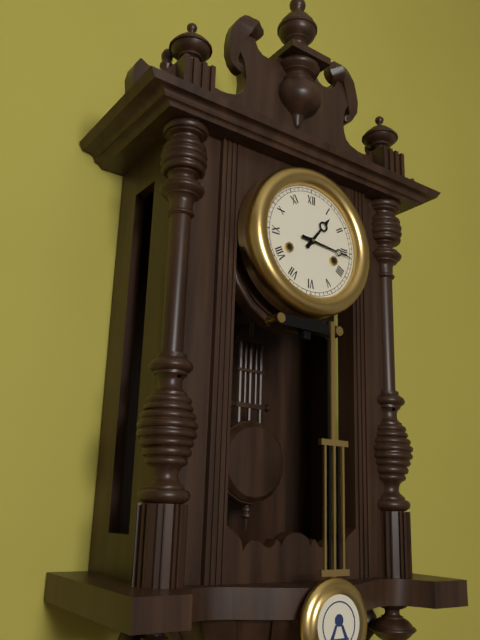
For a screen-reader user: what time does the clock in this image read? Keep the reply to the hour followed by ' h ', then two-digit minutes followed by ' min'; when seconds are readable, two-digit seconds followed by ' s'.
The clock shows 1 h 16 min
